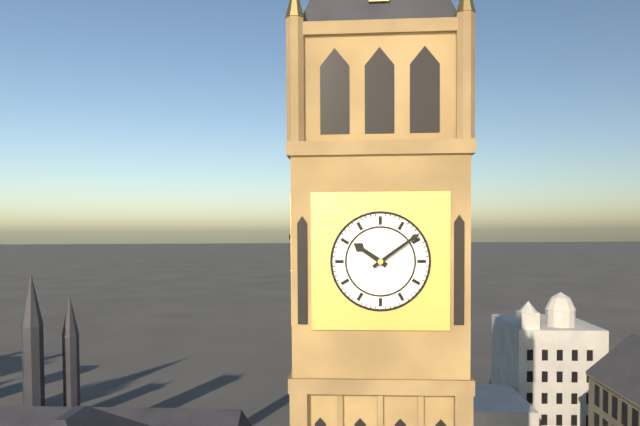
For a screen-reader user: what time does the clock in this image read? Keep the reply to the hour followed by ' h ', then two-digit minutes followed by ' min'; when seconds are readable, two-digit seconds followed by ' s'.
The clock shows 10 h 09 min
